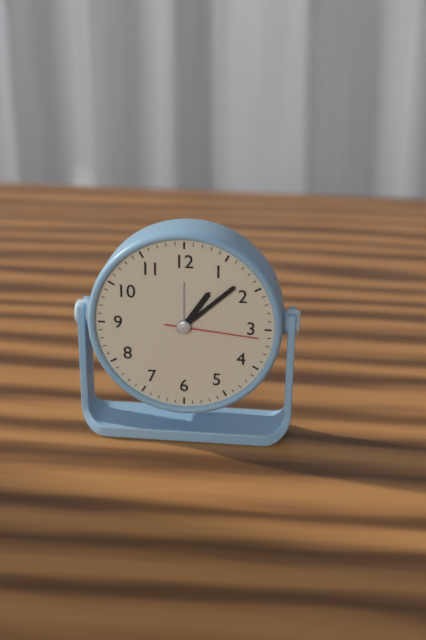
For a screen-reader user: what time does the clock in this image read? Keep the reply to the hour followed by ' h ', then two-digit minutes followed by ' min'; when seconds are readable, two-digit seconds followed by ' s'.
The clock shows 1 h 08 min 16 s
